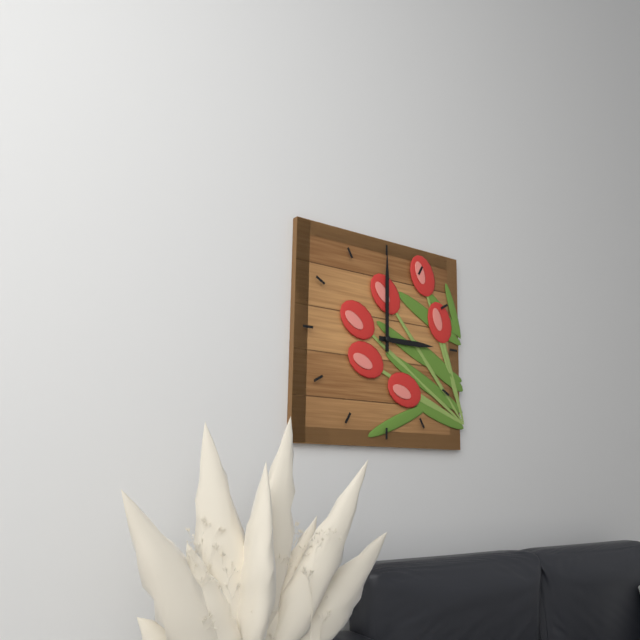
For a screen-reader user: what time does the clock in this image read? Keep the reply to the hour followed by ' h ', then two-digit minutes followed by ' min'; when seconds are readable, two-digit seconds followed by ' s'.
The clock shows 3 h 00 min
